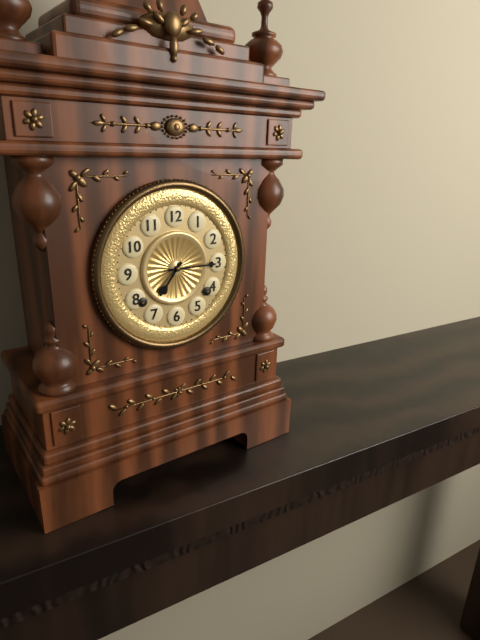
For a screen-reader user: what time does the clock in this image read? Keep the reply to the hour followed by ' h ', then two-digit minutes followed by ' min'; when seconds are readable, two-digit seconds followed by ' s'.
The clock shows 7 h 15 min
